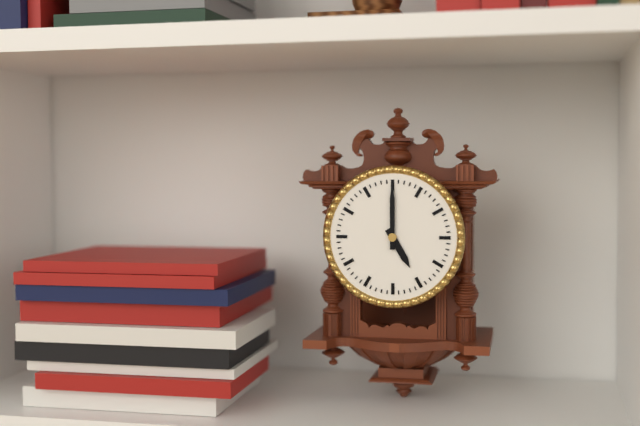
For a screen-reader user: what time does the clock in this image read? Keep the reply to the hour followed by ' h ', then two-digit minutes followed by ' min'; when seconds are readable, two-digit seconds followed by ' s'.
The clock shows 5 h 00 min
